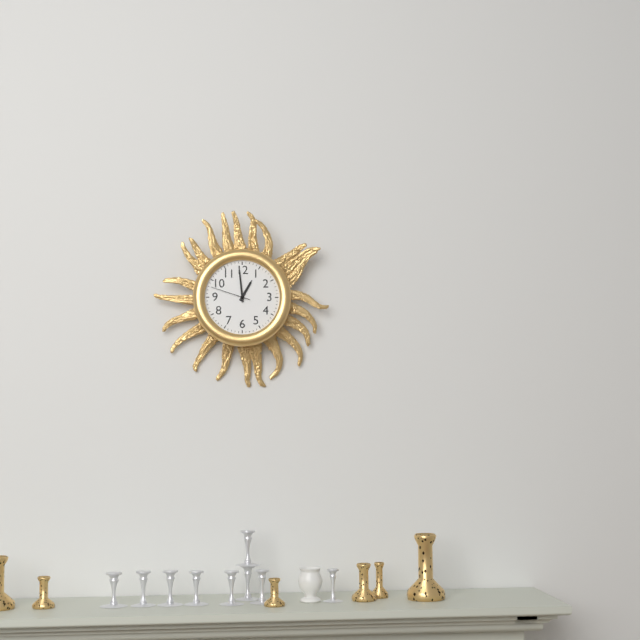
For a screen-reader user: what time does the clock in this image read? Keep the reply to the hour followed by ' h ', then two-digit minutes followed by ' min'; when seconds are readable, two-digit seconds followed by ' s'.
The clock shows 12 h 59 min
